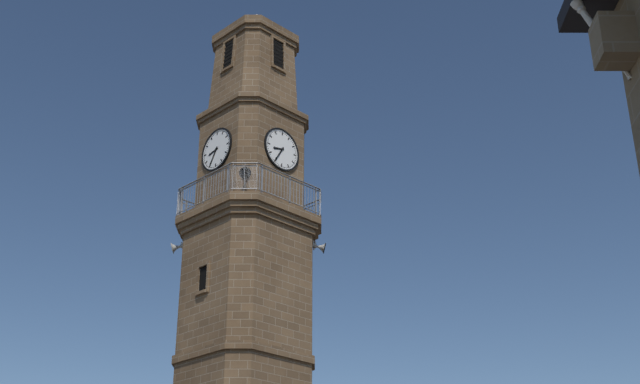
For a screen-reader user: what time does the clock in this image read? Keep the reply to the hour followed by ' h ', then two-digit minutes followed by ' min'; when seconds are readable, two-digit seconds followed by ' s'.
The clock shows 8 h 35 min
